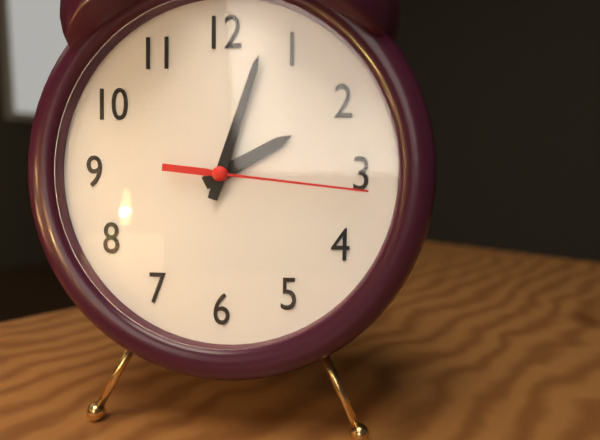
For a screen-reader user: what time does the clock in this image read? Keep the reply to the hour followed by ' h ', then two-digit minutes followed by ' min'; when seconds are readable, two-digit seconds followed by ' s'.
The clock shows 2 h 03 min 16 s
